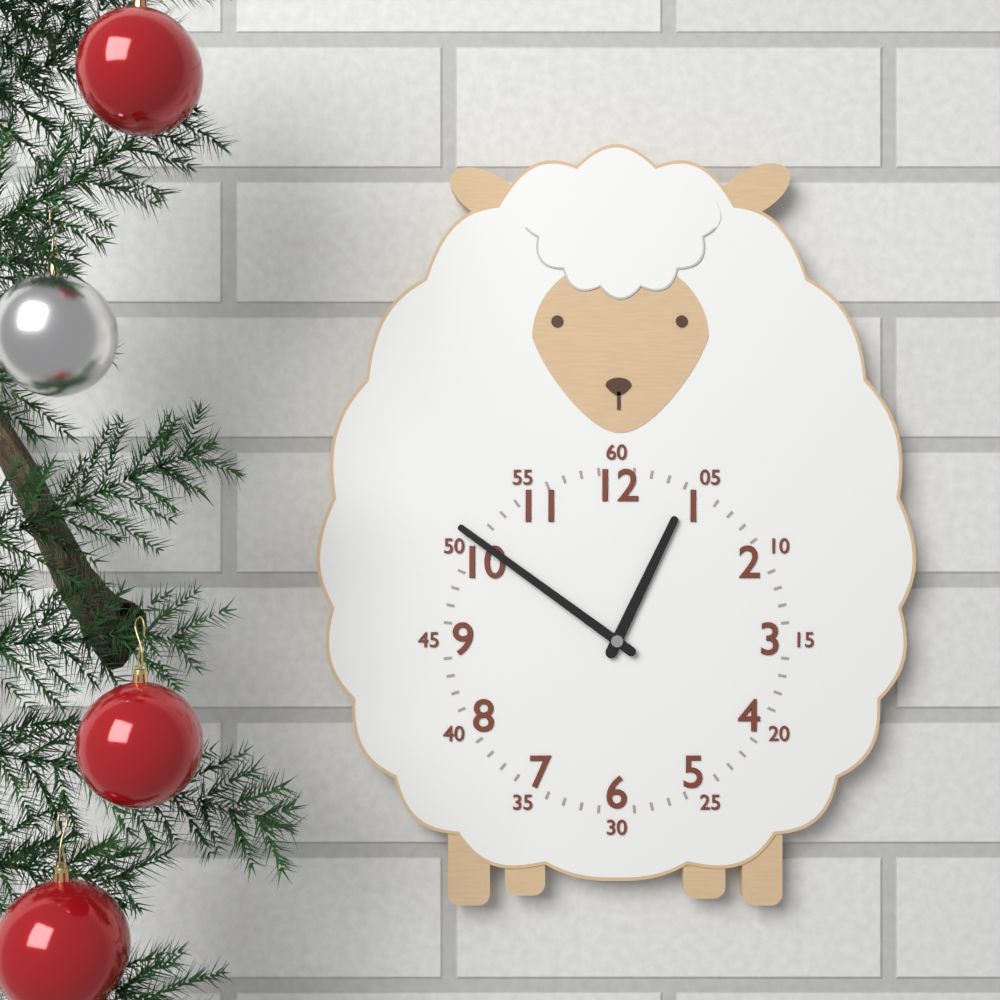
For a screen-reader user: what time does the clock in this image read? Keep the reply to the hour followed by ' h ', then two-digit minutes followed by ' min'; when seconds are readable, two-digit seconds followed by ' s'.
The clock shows 12 h 51 min
